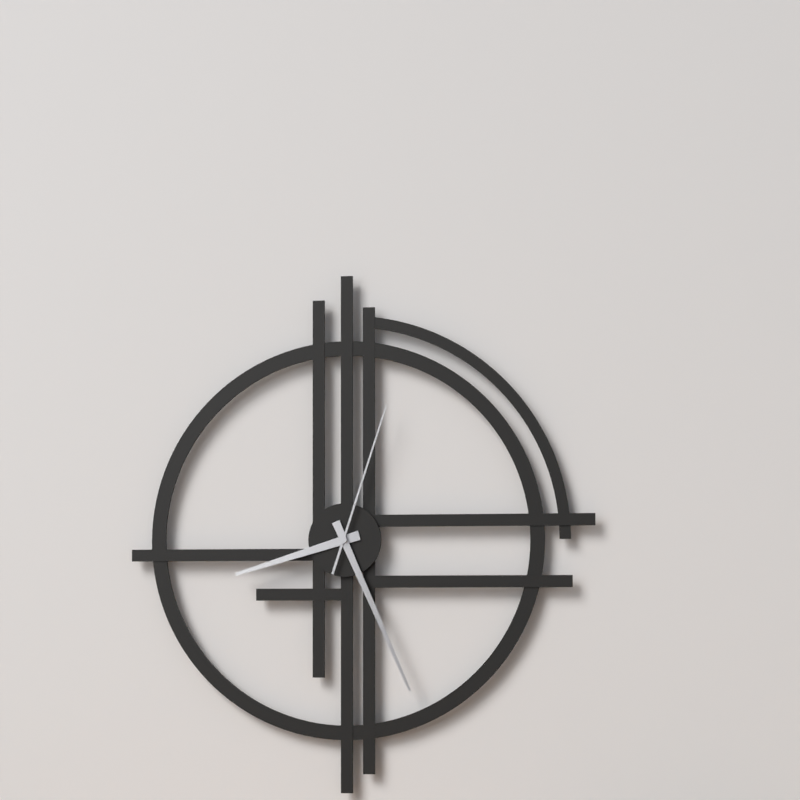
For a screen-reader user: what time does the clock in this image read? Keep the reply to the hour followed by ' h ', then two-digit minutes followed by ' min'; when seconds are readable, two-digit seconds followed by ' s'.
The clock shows 8 h 26 min 03 s
